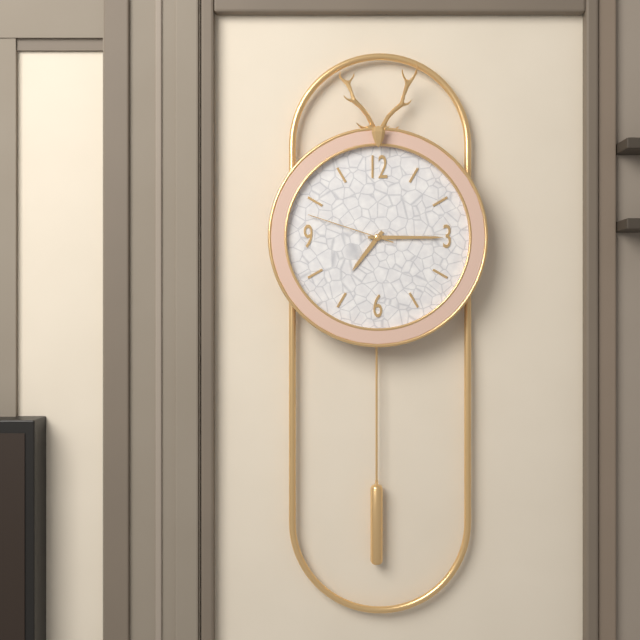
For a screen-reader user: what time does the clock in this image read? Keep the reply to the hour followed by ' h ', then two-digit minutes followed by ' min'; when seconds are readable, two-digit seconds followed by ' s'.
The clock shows 7 h 15 min 48 s
